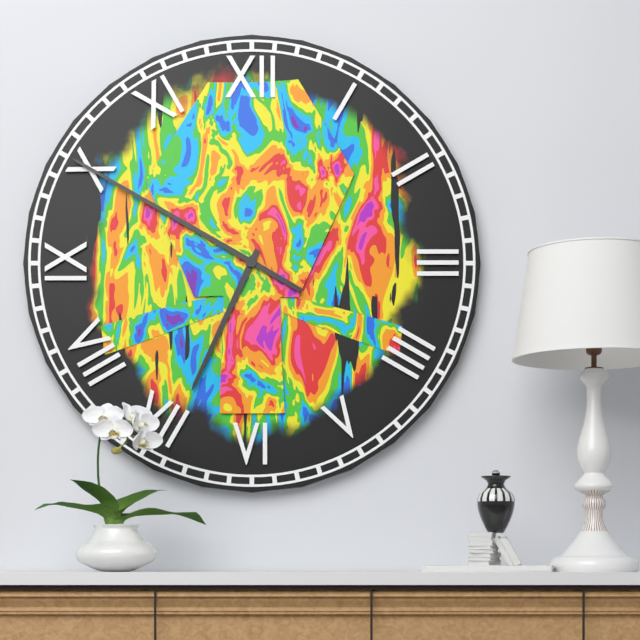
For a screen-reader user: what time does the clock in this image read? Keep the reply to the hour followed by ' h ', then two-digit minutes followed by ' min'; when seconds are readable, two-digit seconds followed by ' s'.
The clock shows 6 h 50 min
